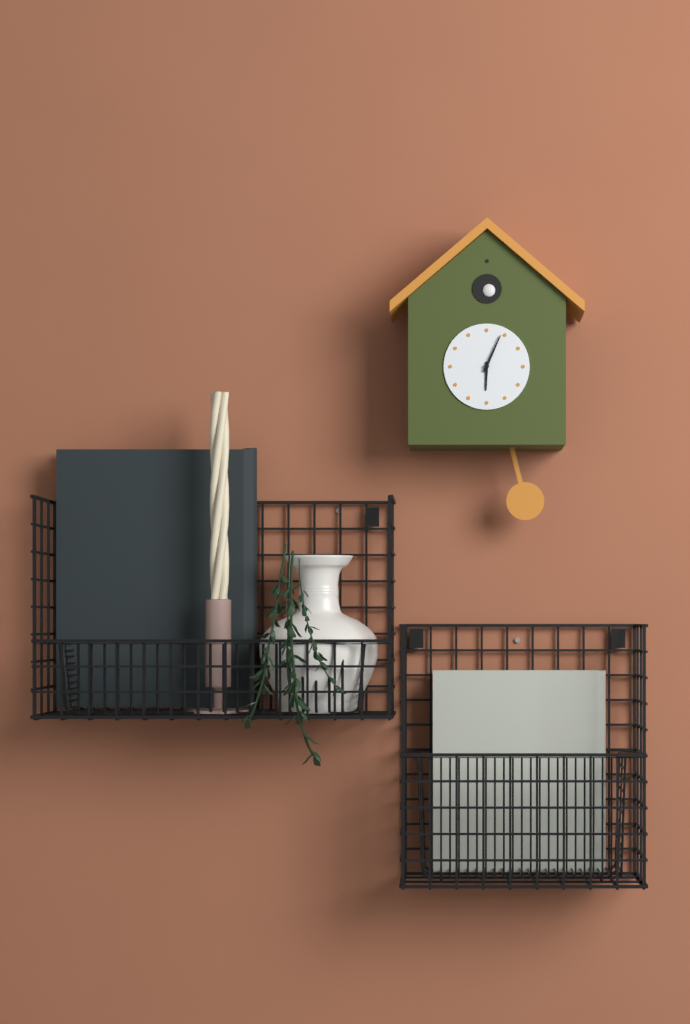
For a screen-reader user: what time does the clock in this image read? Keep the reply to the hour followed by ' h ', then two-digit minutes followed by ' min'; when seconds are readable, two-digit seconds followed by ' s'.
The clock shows 6 h 04 min
